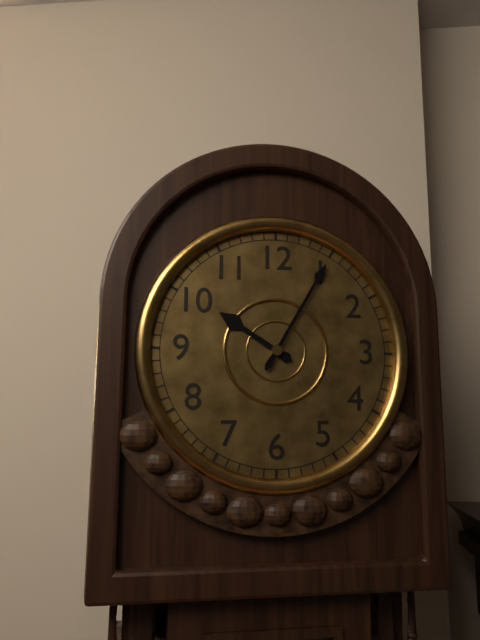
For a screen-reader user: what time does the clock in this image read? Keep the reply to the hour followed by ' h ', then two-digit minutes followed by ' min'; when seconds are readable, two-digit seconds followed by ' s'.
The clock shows 10 h 05 min
